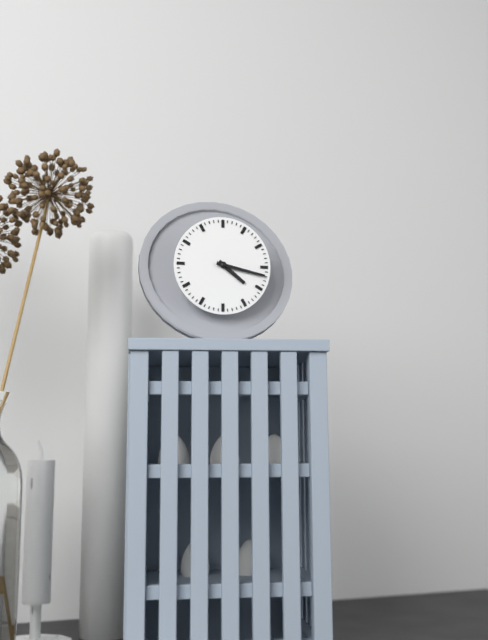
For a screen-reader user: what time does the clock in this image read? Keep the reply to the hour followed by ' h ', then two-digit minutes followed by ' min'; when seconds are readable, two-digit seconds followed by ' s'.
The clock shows 4 h 17 min
